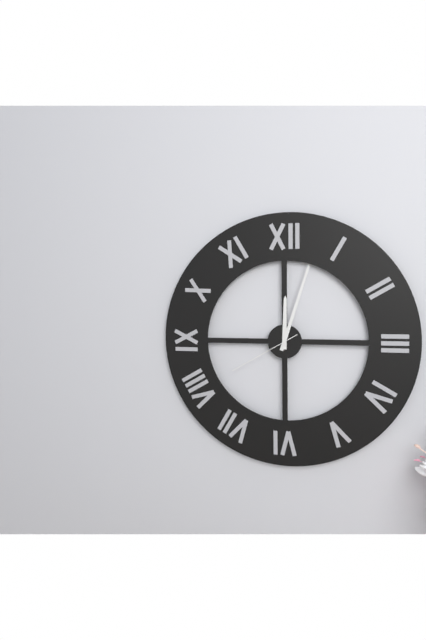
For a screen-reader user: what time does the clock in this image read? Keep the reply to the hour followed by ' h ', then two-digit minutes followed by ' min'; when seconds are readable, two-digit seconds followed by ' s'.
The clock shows 12 h 03 min 40 s
